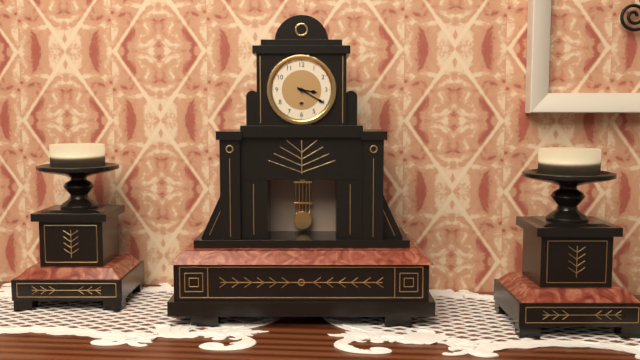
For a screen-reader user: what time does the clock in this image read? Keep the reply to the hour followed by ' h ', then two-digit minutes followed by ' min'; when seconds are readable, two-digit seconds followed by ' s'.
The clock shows 3 h 20 min
